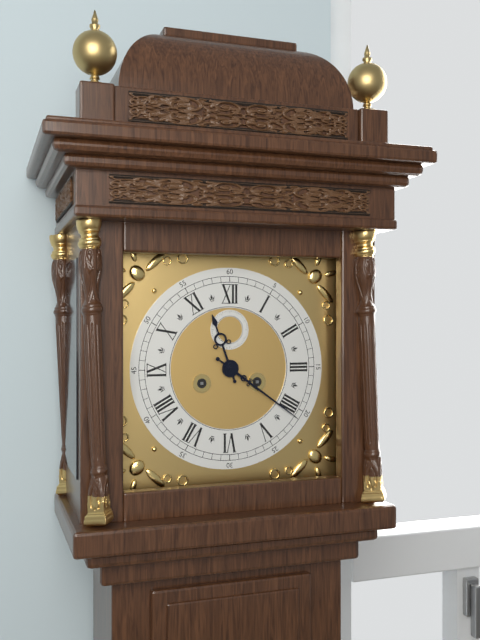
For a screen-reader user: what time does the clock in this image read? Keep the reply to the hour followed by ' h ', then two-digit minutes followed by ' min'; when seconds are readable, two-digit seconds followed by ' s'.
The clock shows 11 h 21 min
